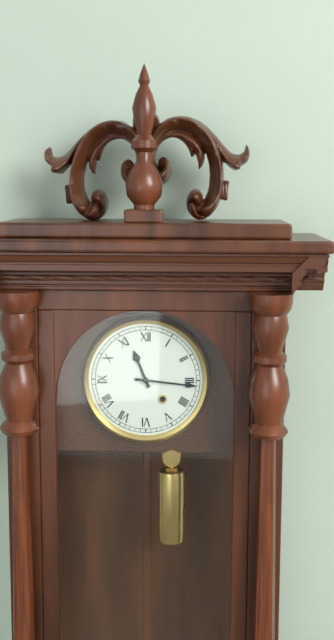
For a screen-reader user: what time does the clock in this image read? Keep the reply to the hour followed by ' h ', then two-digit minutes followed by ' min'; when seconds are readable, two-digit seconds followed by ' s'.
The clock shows 11 h 16 min
